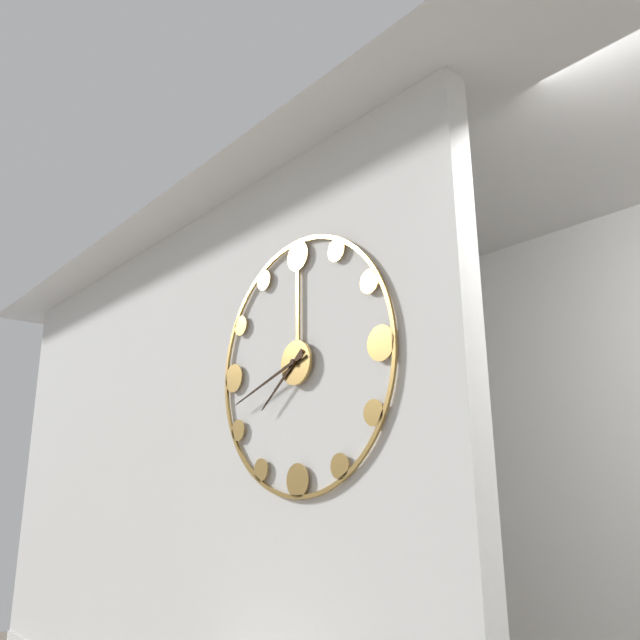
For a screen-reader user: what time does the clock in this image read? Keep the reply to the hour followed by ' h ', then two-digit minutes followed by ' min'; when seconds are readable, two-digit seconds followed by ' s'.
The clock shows 7 h 42 min
